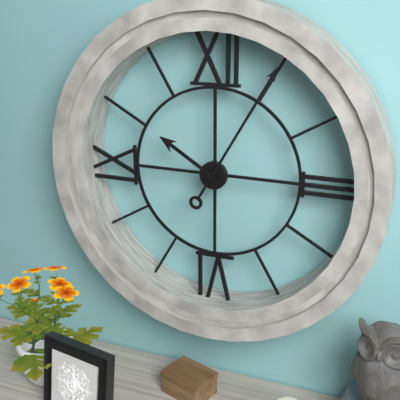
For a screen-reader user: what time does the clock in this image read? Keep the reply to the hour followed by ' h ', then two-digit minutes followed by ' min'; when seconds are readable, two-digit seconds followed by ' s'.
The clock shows 10 h 05 min
